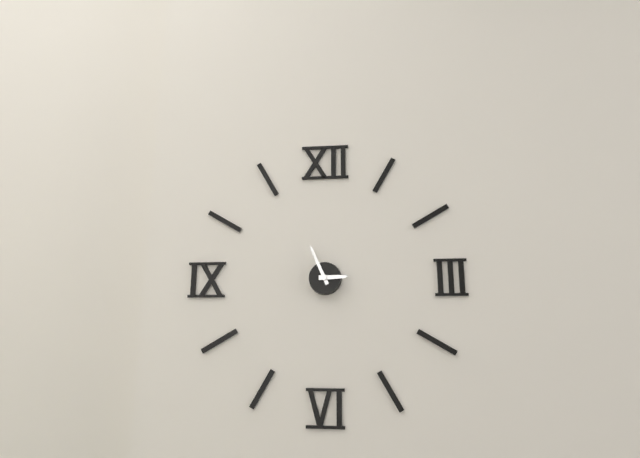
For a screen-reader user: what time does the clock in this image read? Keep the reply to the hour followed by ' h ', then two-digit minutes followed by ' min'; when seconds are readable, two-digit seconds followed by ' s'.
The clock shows 2 h 56 min
